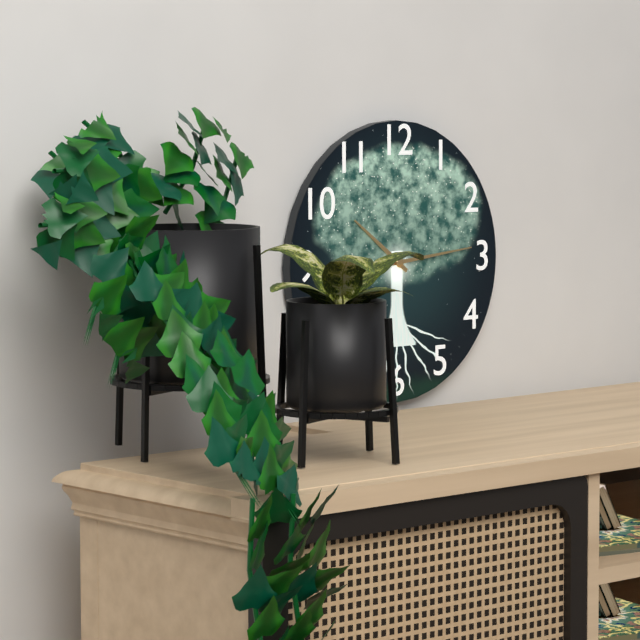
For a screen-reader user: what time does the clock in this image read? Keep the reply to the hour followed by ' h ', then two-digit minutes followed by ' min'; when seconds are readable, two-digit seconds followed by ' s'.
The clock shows 10 h 14 min
